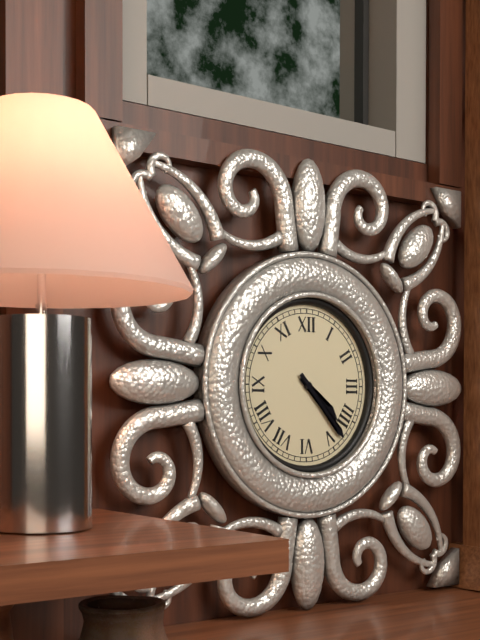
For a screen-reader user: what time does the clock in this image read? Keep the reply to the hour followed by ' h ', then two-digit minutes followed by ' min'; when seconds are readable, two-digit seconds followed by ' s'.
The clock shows 4 h 23 min
